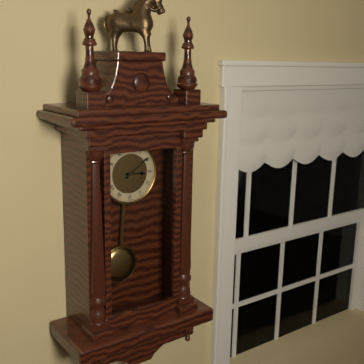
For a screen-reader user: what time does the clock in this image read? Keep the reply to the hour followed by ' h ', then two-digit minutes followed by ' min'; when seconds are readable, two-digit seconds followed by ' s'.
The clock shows 3 h 09 min
